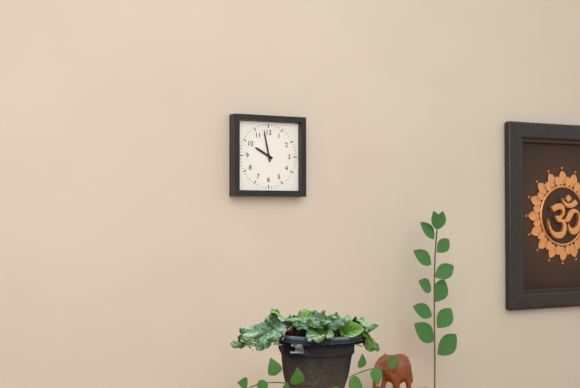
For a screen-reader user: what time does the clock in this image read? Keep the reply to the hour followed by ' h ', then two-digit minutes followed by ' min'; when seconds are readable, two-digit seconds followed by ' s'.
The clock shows 9 h 58 min
